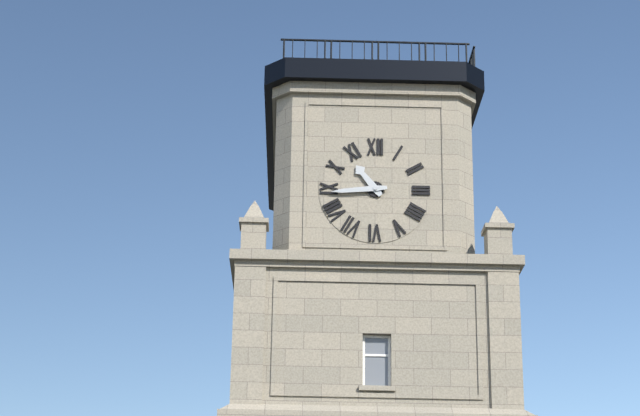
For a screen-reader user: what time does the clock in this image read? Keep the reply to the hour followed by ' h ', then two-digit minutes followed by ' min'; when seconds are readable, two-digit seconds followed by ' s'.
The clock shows 10 h 44 min
